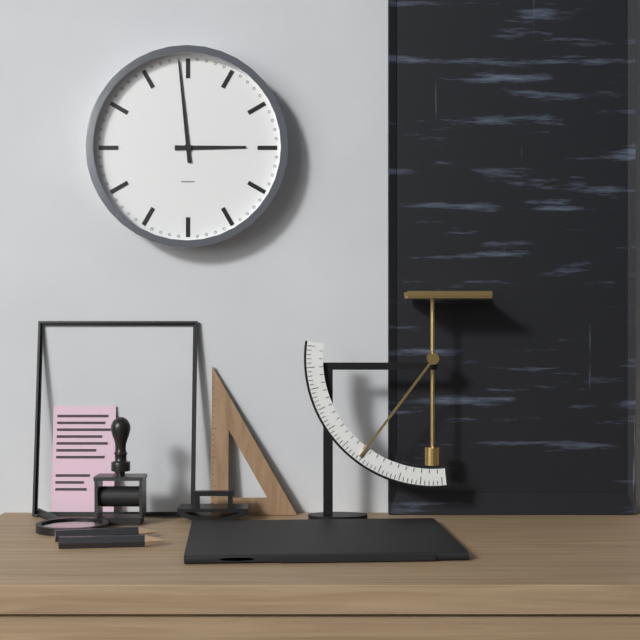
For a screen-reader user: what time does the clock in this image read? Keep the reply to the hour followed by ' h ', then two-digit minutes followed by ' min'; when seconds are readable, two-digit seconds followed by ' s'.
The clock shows 2 h 59 min
